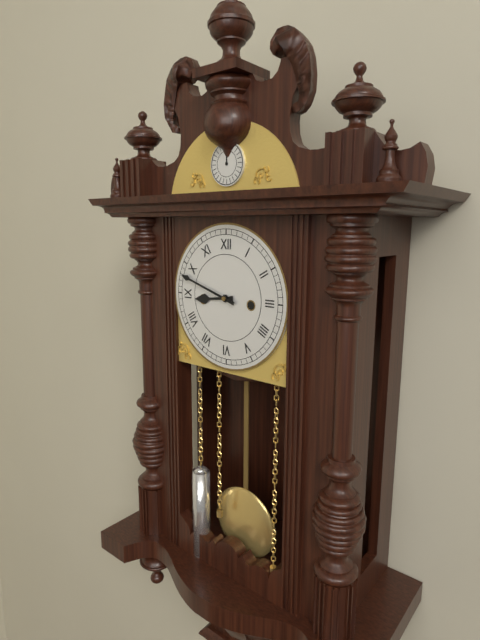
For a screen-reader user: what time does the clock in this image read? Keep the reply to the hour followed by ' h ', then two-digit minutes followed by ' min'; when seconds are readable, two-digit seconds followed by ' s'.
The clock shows 8 h 48 min
